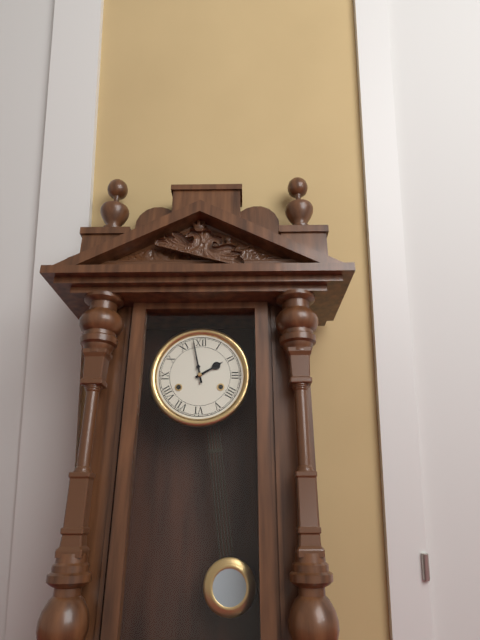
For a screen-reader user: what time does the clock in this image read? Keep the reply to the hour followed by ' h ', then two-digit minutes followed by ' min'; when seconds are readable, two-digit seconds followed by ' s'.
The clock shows 1 h 58 min
